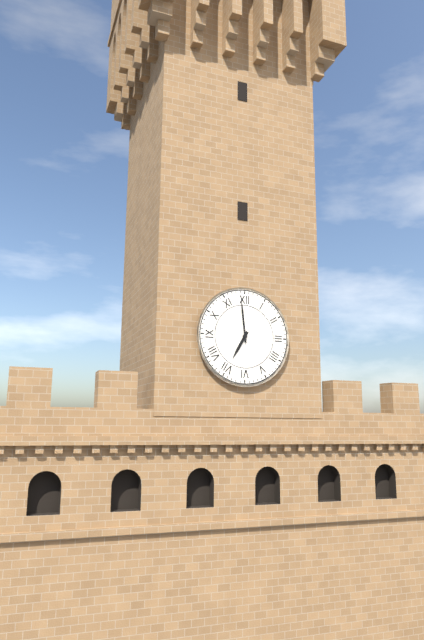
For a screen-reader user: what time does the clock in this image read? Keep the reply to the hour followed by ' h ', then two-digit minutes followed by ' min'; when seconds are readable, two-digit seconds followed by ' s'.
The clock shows 6 h 59 min
